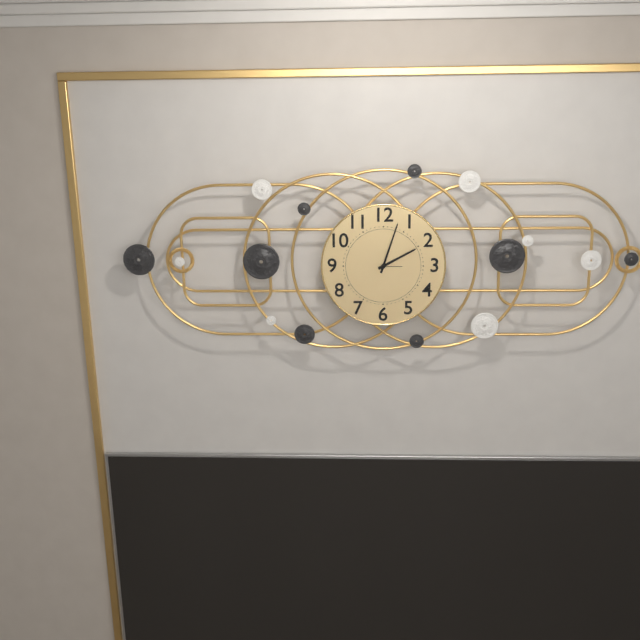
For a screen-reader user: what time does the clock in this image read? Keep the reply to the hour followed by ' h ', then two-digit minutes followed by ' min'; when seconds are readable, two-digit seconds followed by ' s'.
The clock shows 2 h 03 min
